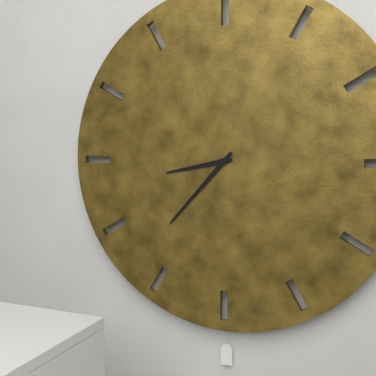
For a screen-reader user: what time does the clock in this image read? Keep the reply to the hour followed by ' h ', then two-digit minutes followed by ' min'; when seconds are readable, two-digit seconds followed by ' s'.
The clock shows 8 h 37 min
